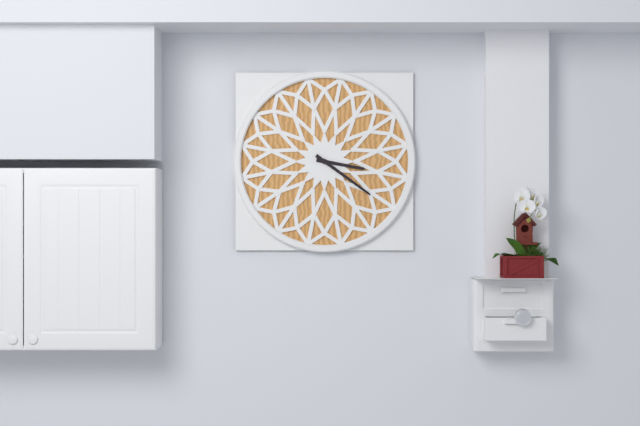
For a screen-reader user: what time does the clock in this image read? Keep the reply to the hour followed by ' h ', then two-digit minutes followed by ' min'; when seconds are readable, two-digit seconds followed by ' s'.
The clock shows 3 h 21 min
